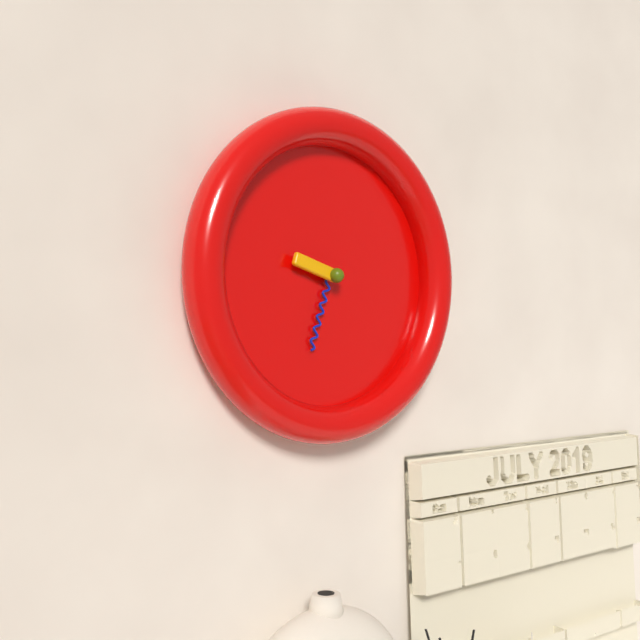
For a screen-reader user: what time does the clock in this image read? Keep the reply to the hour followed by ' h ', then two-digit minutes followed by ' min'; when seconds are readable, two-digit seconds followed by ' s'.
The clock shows 9 h 33 min
